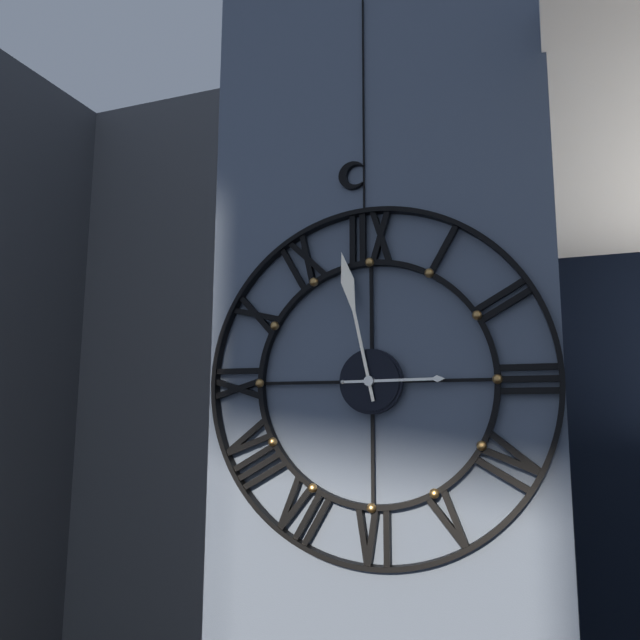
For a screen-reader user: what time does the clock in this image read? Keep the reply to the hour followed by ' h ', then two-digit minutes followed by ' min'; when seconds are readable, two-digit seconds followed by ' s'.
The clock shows 2 h 58 min
